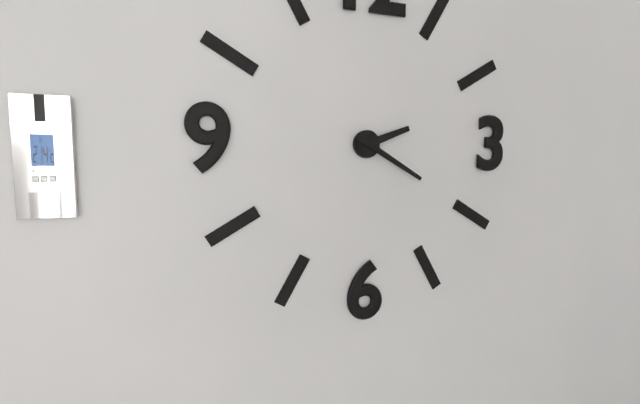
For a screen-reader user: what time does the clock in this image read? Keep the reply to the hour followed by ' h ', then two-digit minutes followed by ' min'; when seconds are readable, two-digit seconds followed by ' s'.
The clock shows 2 h 20 min
